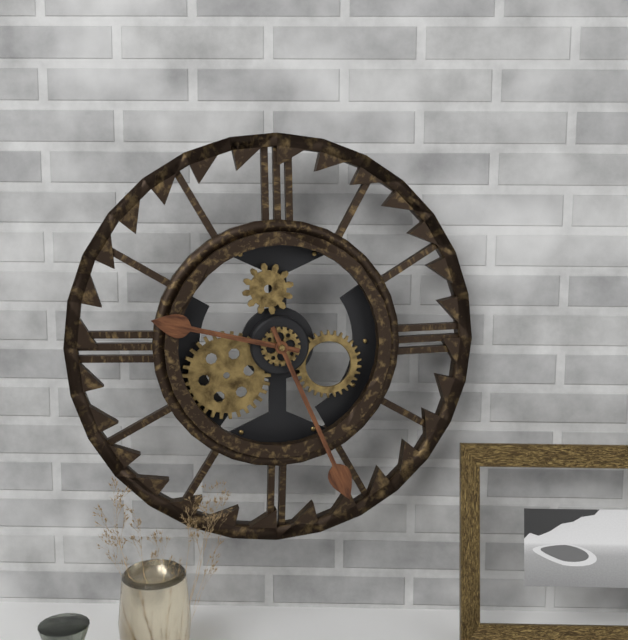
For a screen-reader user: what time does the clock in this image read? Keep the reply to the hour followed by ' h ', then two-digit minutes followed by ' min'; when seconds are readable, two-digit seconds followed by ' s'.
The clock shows 9 h 26 min
